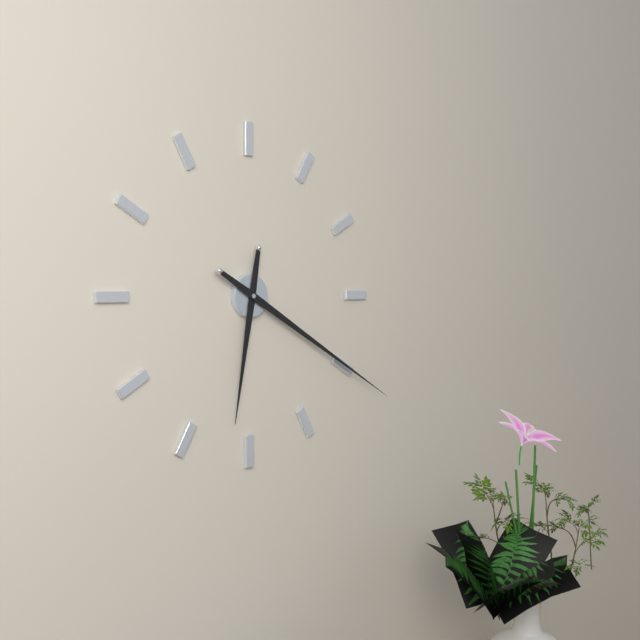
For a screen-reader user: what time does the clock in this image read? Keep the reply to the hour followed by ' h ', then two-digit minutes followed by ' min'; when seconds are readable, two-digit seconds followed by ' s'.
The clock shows 6 h 20 min
